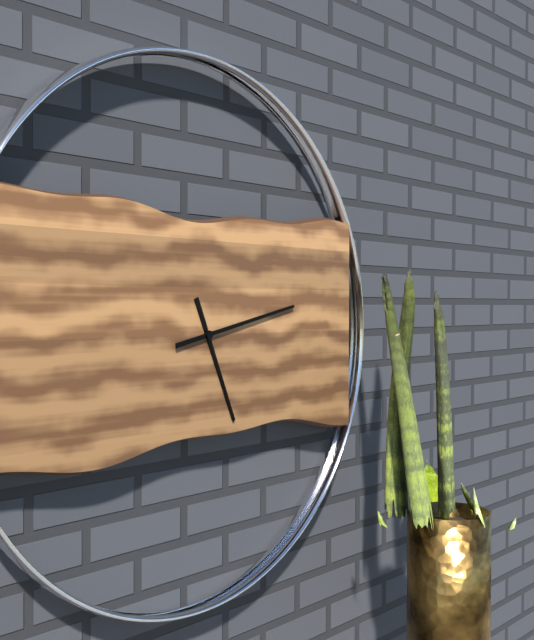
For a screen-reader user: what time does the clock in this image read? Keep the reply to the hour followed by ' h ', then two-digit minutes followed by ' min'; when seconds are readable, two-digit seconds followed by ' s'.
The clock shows 5 h 13 min
